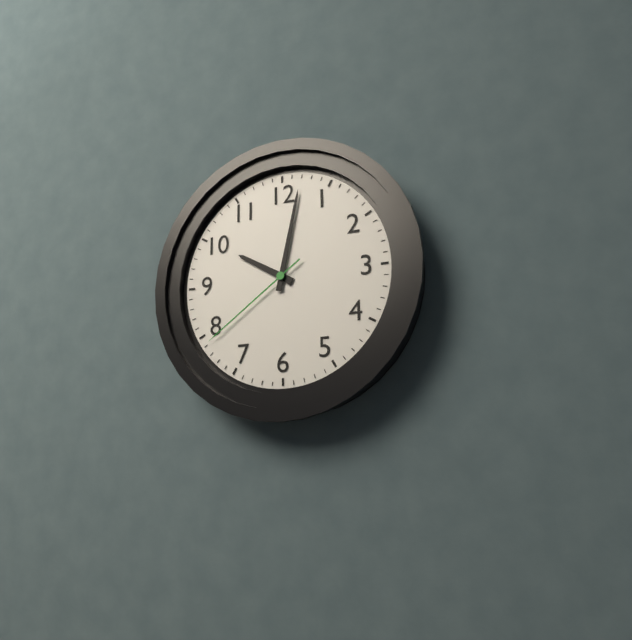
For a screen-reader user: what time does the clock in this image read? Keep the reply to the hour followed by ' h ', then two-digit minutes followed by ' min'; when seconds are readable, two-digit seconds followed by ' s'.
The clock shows 10 h 02 min 39 s
